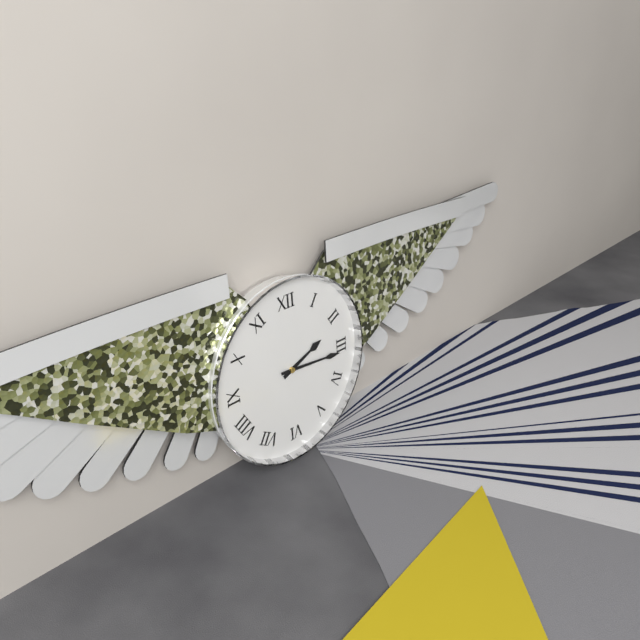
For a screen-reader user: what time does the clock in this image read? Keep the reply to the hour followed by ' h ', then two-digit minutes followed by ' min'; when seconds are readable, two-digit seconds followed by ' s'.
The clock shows 2 h 16 min
